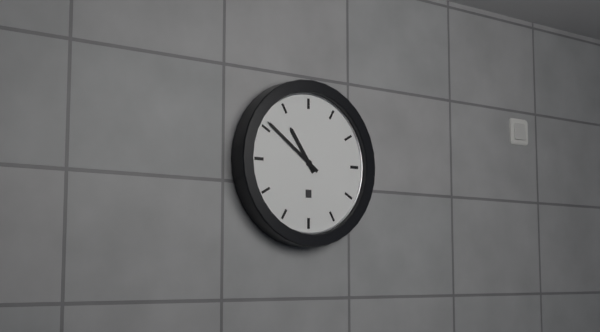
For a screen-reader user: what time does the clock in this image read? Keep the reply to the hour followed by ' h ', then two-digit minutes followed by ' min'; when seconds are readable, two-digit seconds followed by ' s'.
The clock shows 10 h 51 min
